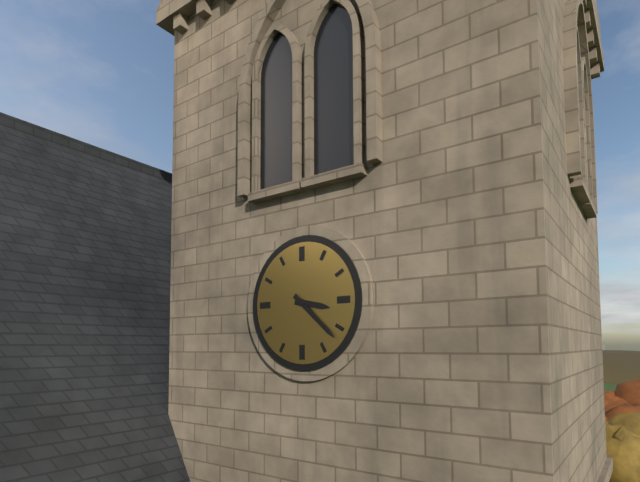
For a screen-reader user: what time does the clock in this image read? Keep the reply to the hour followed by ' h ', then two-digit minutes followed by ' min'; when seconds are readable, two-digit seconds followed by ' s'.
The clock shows 3 h 22 min
